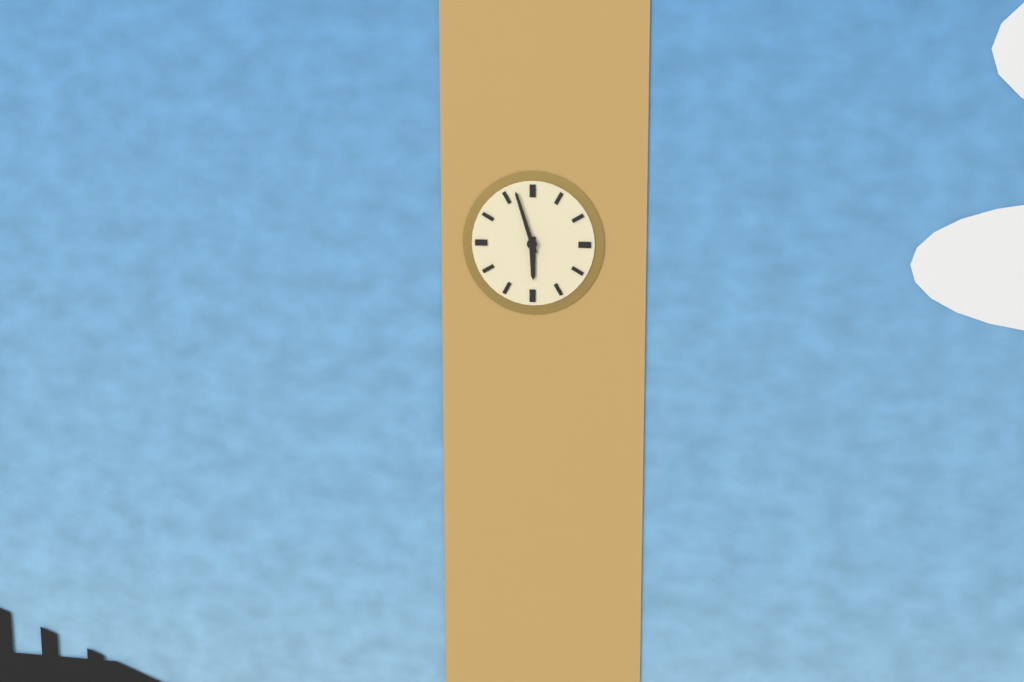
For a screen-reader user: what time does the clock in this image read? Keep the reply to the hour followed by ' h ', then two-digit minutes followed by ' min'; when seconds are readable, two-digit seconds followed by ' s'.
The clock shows 5 h 57 min
